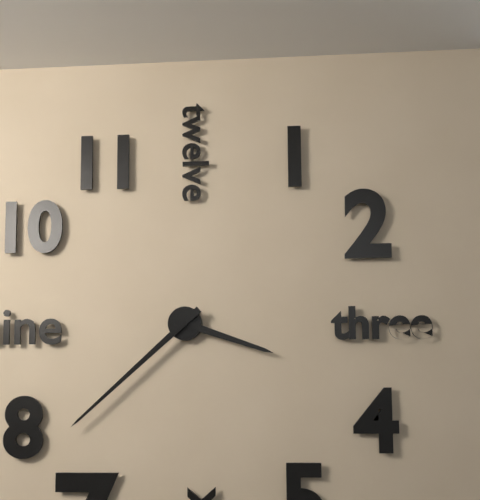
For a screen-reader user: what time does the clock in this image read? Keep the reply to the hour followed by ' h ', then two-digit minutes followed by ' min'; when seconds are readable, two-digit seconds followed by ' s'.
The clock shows 3 h 38 min
